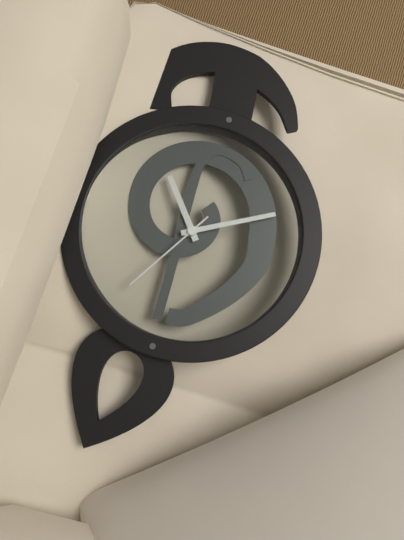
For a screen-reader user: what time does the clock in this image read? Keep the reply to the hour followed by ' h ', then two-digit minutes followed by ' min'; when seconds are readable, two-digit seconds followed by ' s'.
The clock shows 4 h 40 min 05 s
